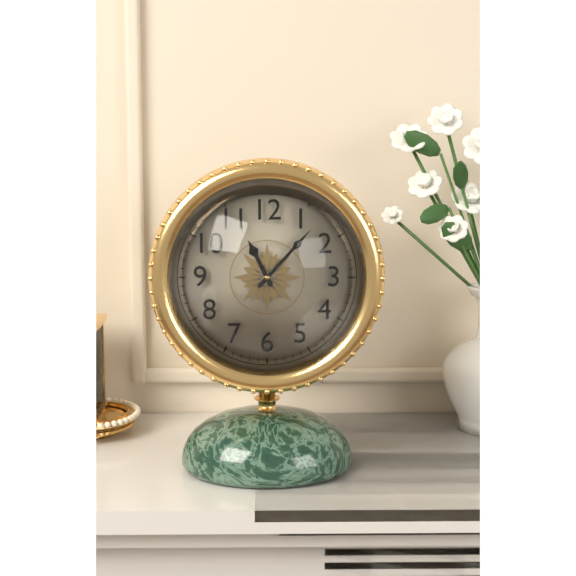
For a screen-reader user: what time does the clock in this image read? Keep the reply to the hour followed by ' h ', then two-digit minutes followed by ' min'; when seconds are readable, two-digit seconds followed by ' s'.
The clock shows 11 h 07 min
